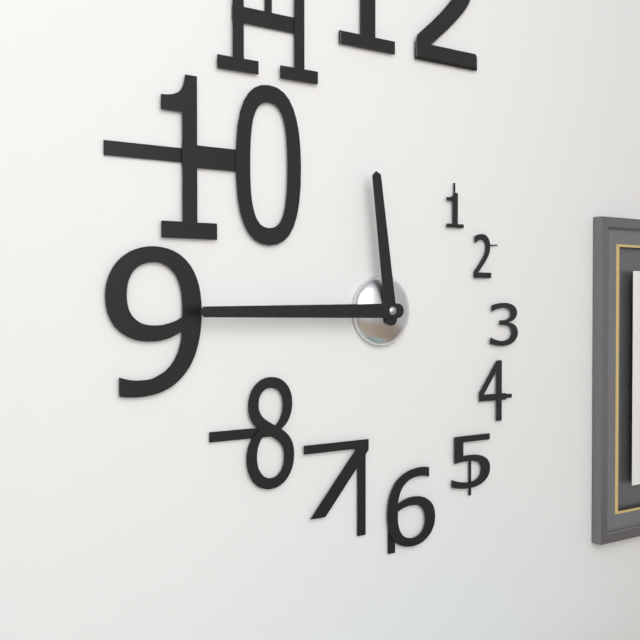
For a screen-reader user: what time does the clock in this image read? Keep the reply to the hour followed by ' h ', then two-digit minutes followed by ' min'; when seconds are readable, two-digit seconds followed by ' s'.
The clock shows 11 h 45 min
